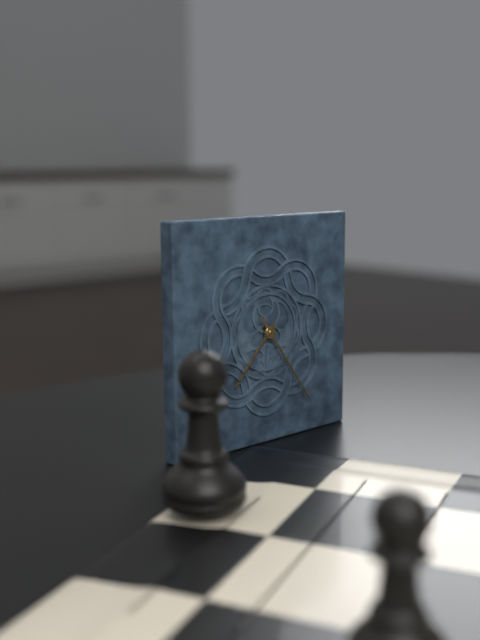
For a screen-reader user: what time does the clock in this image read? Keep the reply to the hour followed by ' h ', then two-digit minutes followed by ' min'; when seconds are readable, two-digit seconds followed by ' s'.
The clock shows 7 h 24 min
